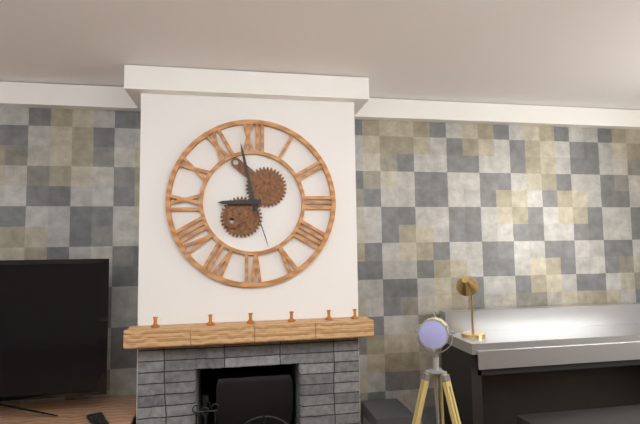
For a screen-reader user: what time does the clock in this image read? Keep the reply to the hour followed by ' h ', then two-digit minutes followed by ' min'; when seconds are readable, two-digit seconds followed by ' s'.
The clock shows 8 h 58 min 27 s
